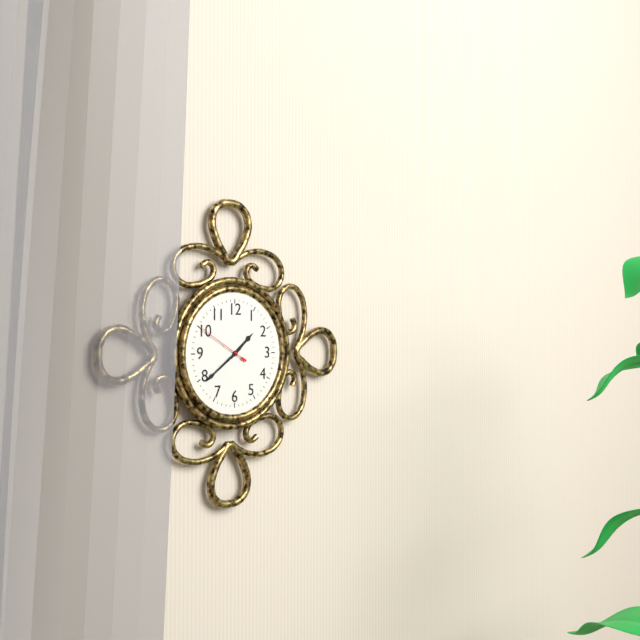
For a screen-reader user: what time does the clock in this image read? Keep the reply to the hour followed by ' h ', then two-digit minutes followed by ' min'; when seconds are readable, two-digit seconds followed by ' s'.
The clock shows 1 h 39 min 50 s
